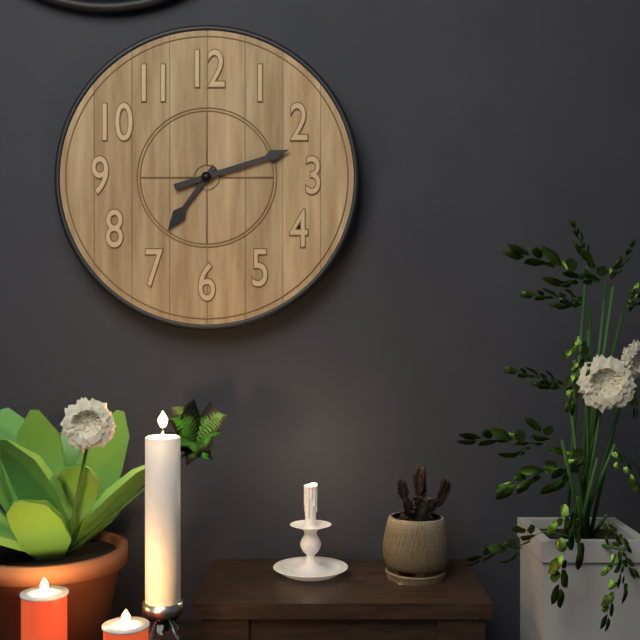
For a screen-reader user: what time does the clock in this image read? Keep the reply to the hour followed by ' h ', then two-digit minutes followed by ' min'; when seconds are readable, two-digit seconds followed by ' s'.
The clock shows 7 h 12 min
